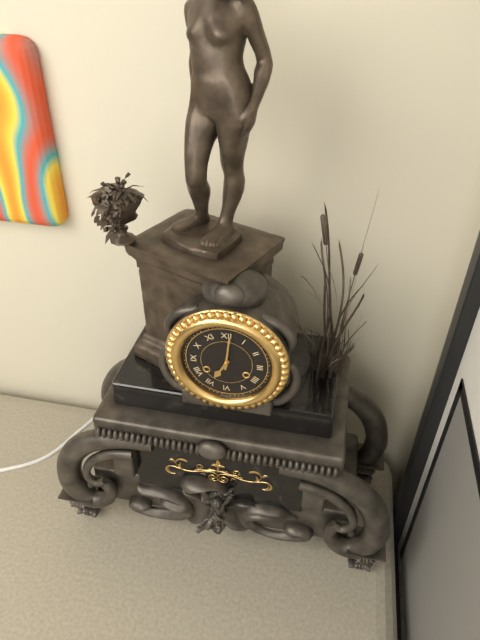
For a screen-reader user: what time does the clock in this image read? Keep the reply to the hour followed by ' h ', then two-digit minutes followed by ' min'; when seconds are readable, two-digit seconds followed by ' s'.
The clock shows 7 h 01 min
